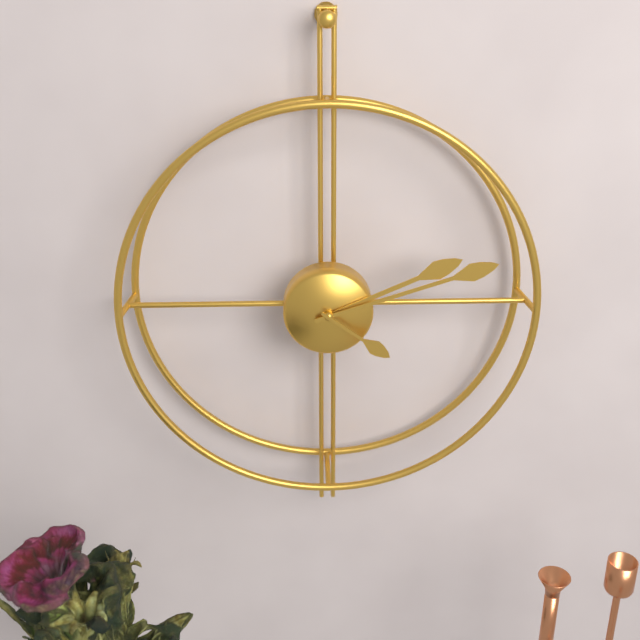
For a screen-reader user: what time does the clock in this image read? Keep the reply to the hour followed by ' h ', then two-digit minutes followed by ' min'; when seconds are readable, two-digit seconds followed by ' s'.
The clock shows 2 h 12 min 21 s
